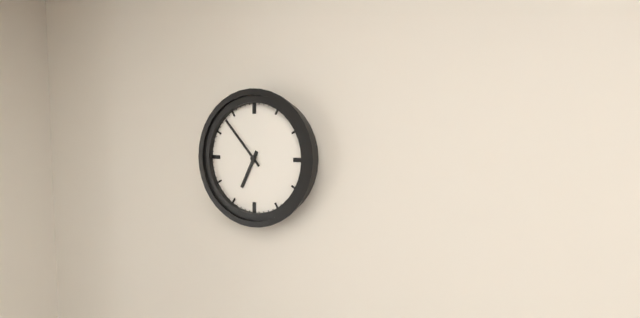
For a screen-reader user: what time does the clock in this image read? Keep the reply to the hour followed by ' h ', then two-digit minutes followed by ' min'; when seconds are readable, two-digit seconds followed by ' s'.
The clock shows 6 h 53 min
